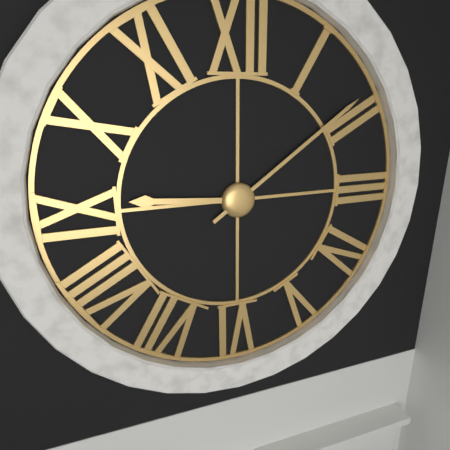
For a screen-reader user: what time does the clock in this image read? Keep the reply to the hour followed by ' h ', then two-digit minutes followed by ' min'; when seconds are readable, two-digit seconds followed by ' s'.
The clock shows 9 h 09 min
